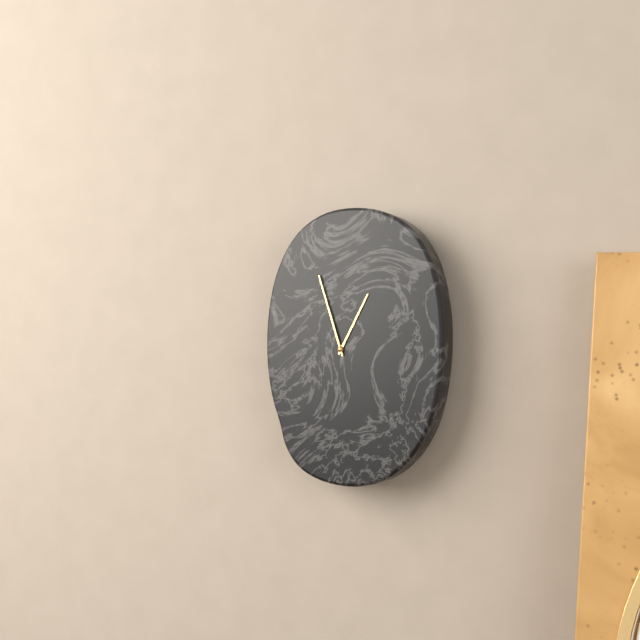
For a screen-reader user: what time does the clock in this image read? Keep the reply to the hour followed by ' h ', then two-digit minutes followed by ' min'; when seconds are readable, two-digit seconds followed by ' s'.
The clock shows 12 h 57 min
